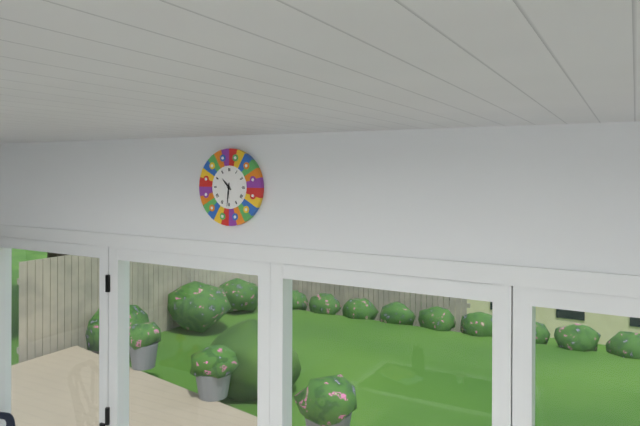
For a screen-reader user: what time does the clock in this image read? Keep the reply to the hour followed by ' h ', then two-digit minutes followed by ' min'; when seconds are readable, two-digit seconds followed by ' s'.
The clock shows 10 h 31 min
